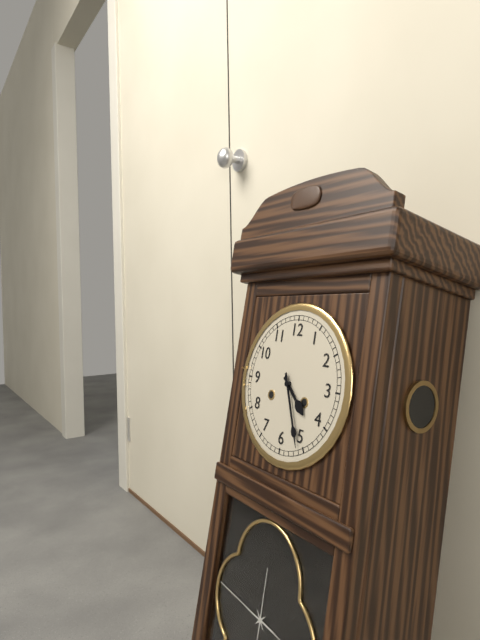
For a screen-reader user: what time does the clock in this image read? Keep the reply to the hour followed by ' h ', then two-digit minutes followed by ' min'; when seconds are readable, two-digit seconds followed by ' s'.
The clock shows 4 h 26 min
